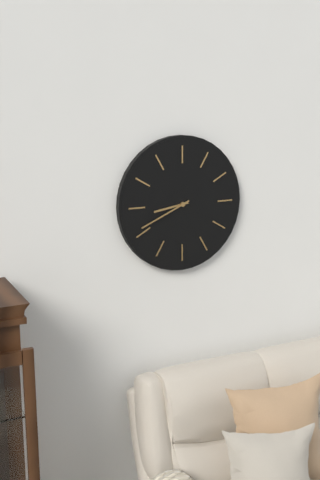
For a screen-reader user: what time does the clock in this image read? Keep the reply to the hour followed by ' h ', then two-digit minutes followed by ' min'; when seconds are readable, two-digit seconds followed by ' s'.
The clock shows 8 h 41 min
